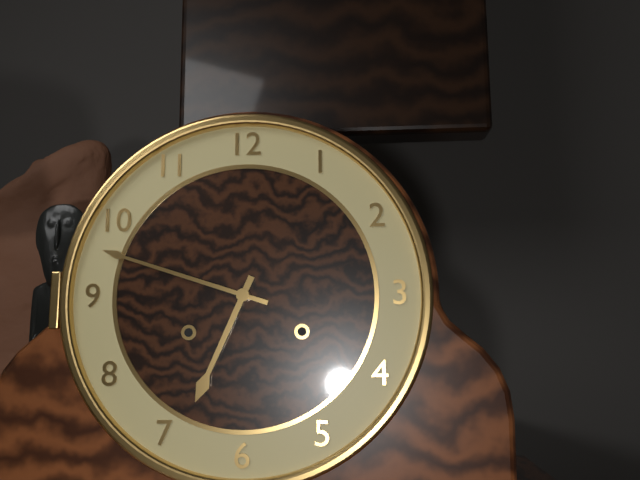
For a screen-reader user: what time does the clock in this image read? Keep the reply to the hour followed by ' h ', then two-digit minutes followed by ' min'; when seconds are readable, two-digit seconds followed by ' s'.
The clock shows 6 h 48 min
